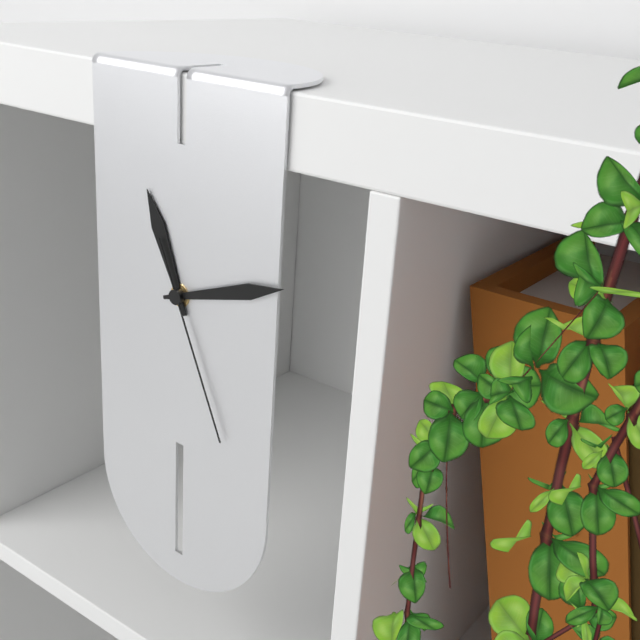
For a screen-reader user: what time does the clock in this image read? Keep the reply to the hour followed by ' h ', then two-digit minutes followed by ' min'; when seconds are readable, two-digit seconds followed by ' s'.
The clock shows 11 h 12 min 26 s
